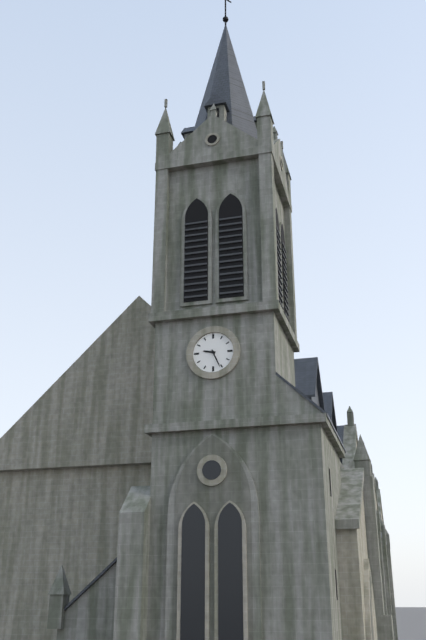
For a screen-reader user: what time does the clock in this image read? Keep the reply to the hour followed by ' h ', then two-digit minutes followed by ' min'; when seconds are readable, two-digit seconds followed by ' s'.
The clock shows 9 h 26 min
